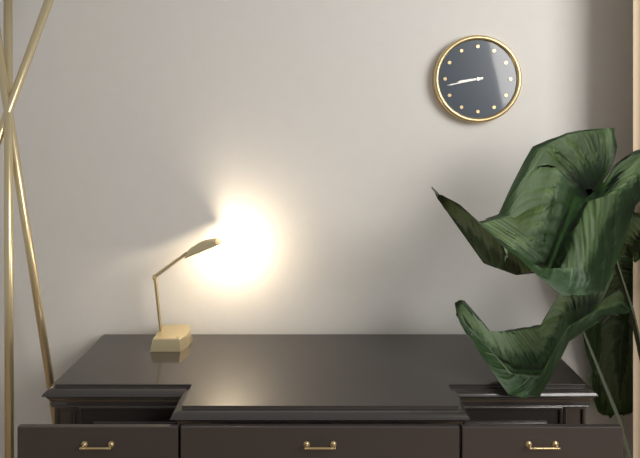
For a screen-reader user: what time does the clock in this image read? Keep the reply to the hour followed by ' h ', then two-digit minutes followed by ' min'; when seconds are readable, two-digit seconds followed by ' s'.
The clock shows 8 h 43 min
